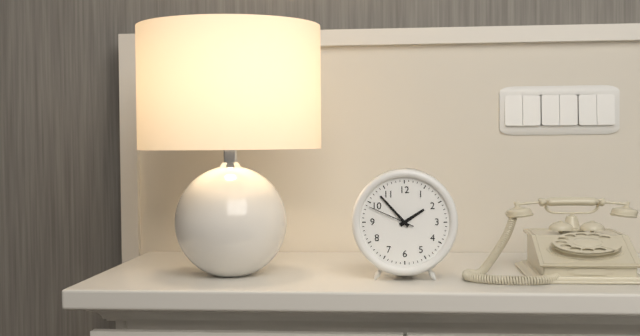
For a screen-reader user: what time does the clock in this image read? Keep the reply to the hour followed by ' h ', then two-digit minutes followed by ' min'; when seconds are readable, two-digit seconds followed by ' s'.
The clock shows 1 h 53 min
